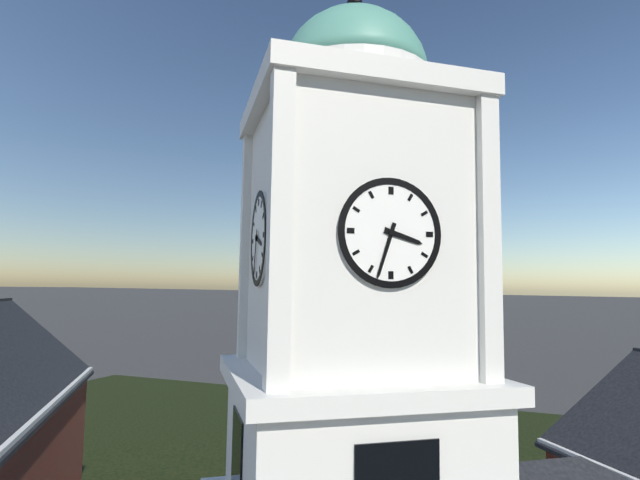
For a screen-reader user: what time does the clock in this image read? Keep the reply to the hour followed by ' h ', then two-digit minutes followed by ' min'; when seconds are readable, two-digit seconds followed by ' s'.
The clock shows 3 h 33 min
